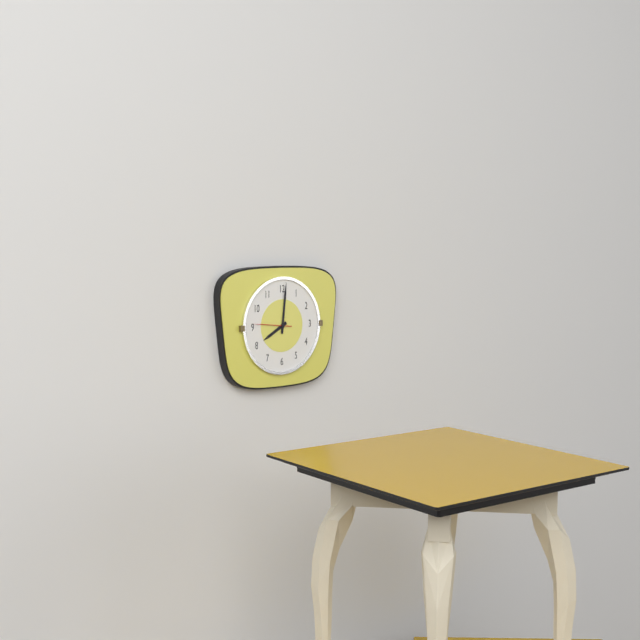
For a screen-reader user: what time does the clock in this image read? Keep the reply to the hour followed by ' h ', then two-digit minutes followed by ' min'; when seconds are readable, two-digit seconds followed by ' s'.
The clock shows 8 h 01 min
